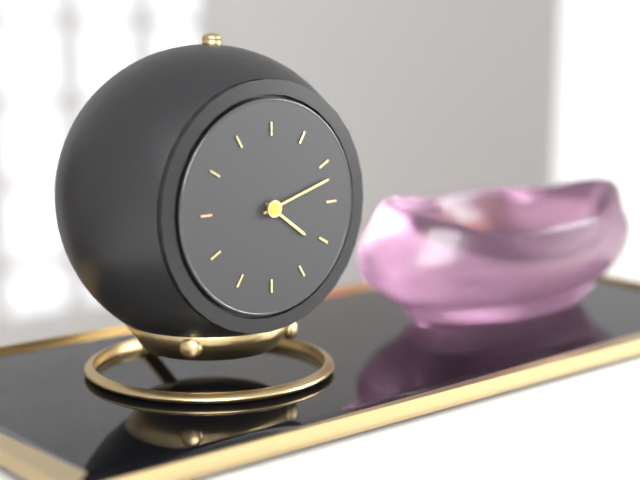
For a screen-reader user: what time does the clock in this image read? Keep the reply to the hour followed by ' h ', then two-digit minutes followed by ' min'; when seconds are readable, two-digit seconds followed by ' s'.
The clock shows 4 h 12 min
